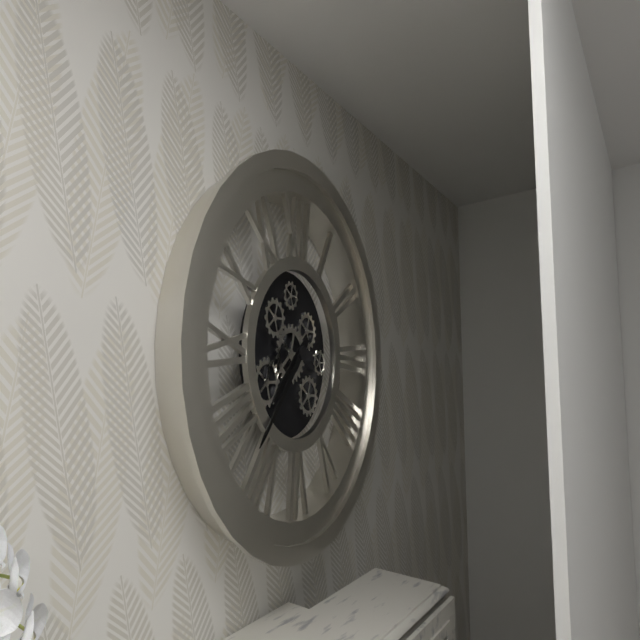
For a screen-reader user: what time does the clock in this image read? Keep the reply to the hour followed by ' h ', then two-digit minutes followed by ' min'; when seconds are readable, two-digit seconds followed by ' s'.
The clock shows 7 h 37 min
